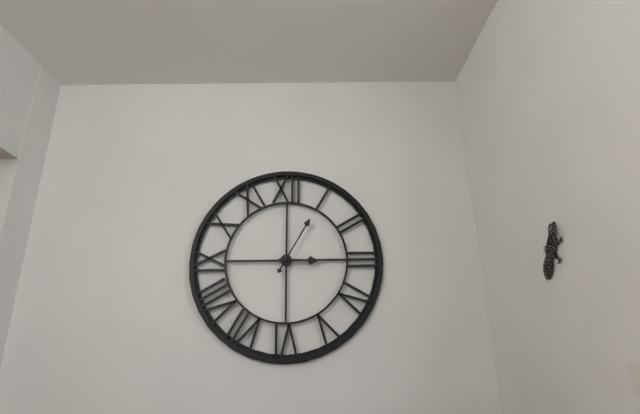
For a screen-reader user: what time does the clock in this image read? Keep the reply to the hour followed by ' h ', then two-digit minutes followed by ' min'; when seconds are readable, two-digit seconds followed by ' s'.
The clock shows 3 h 05 min
